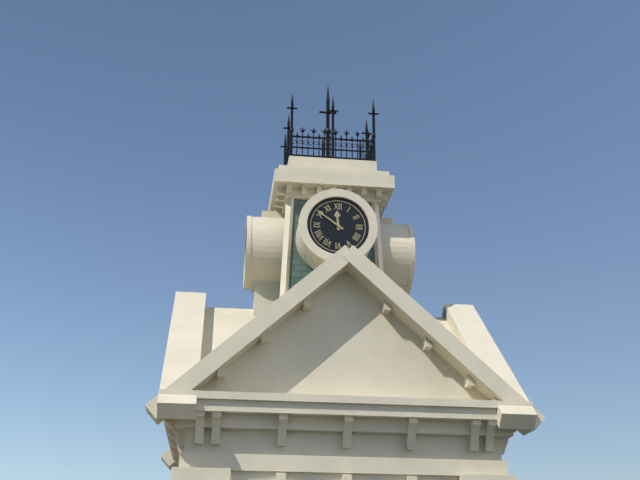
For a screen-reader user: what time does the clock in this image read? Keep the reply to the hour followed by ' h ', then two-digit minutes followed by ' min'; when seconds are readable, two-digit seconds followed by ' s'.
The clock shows 11 h 51 min
